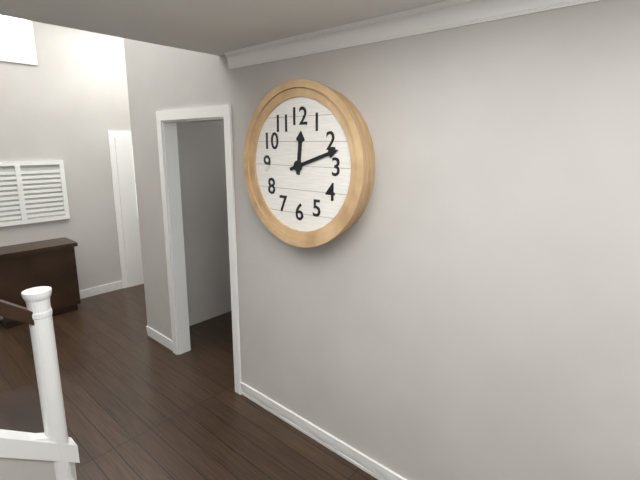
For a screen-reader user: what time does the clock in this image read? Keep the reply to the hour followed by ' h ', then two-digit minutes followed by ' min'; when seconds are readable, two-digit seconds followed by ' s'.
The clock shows 12 h 12 min
